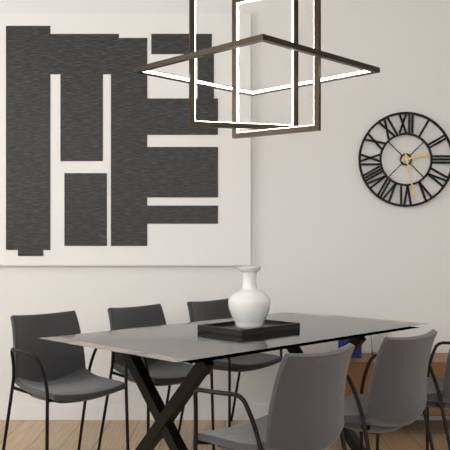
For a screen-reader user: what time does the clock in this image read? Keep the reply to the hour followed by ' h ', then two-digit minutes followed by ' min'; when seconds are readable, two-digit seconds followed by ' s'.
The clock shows 2 h 28 min
